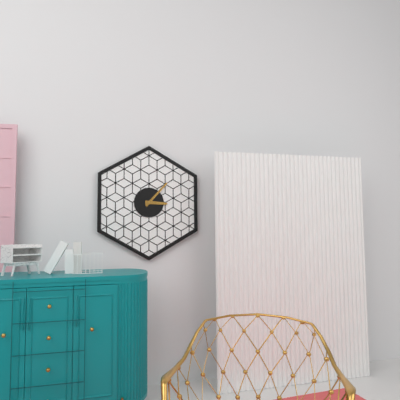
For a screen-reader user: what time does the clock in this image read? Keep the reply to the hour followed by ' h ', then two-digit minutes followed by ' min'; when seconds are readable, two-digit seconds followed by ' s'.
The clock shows 3 h 07 min
